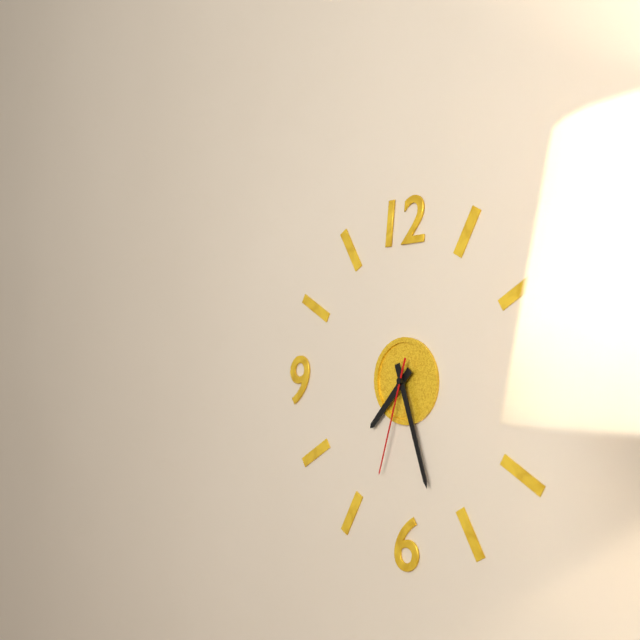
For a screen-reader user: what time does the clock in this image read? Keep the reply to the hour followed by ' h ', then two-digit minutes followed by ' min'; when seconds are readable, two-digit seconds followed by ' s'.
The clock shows 7 h 27 min 33 s
